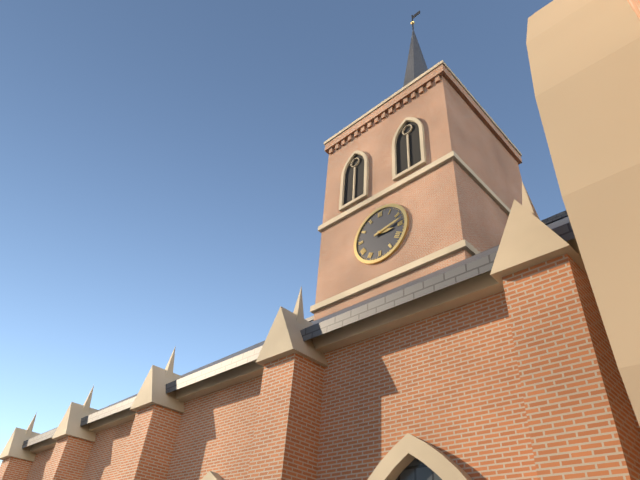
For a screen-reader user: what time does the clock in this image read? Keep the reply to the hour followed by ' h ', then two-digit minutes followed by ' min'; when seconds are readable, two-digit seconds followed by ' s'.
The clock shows 3 h 13 min
